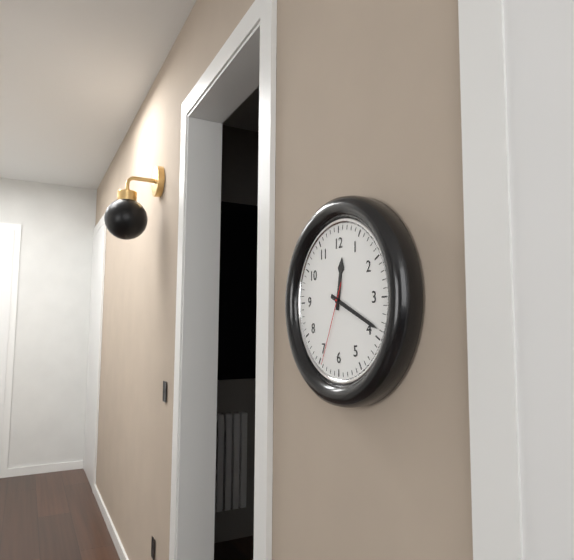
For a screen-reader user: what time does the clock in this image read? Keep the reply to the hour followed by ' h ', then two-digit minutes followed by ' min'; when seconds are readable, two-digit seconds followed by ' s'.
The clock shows 12 h 19 min 34 s
